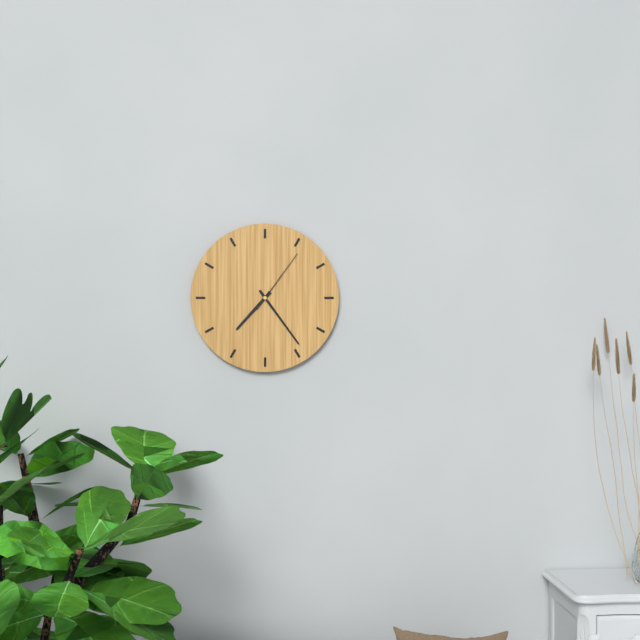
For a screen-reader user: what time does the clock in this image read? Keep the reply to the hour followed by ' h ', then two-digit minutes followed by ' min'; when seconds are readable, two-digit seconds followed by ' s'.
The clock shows 7 h 24 min 06 s
